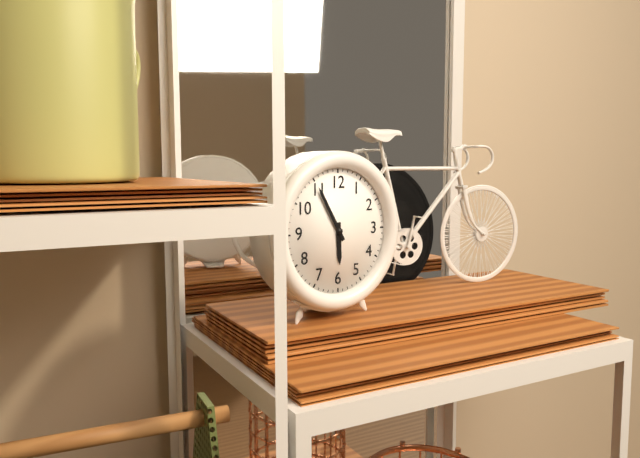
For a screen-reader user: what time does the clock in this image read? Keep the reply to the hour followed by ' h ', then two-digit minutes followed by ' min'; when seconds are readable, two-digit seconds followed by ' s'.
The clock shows 5 h 55 min
